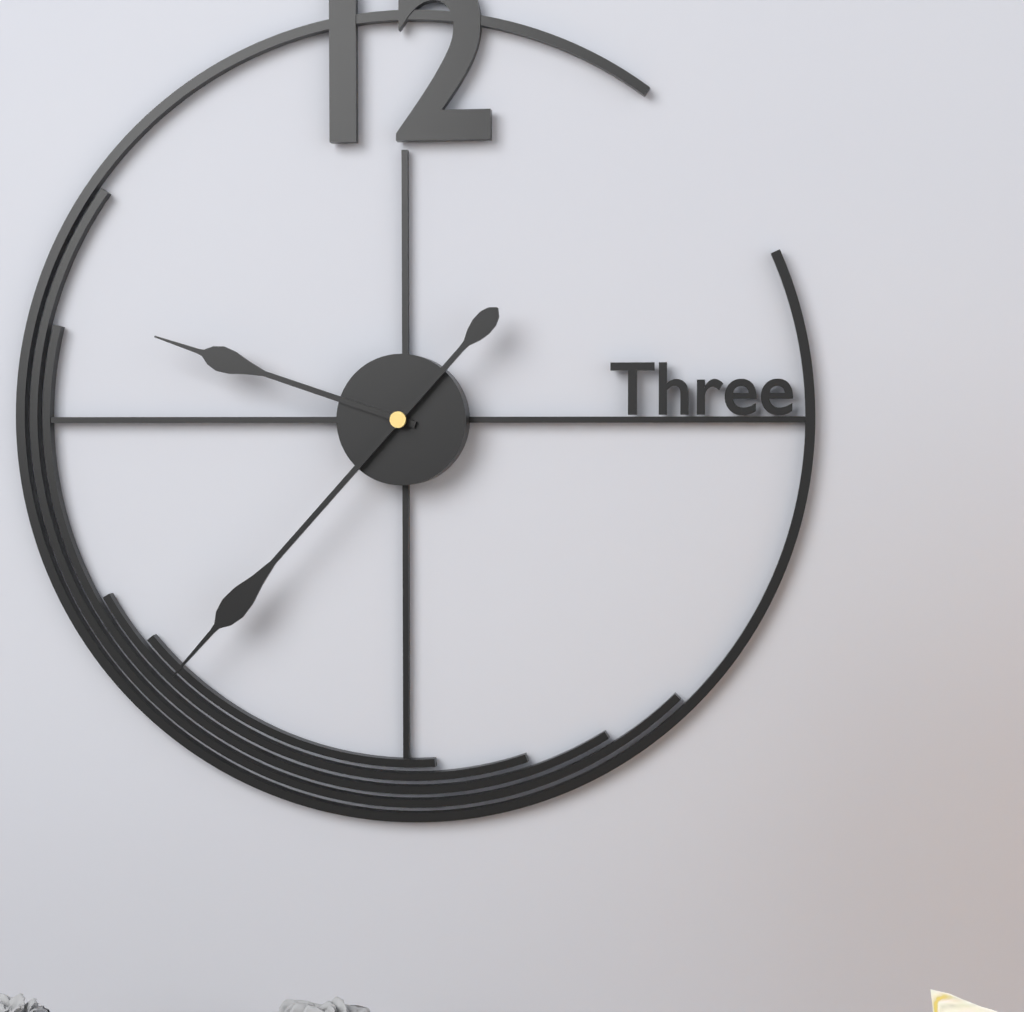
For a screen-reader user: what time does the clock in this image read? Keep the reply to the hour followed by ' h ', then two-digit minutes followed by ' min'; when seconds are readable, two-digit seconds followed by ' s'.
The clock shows 9 h 37 min
